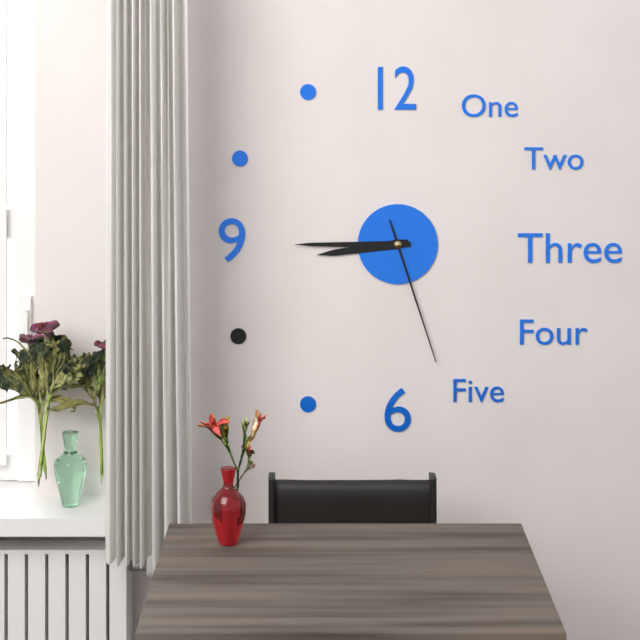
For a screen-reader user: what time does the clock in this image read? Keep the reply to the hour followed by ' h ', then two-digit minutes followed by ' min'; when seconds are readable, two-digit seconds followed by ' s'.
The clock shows 8 h 45 min 27 s
